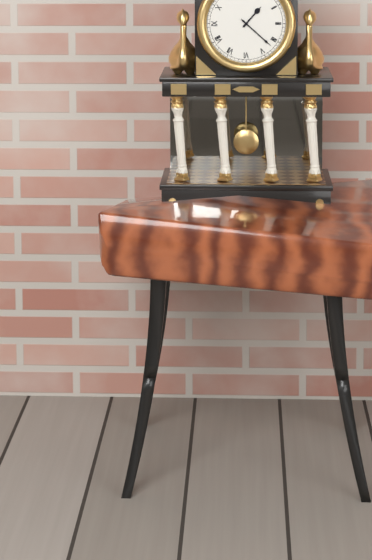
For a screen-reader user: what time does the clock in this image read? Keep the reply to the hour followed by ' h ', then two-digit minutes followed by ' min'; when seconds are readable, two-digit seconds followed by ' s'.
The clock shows 1 h 22 min
